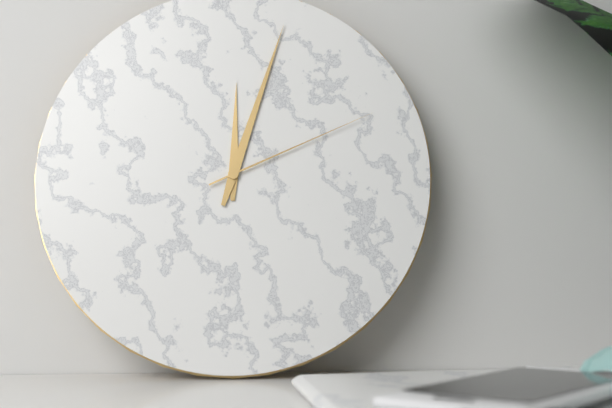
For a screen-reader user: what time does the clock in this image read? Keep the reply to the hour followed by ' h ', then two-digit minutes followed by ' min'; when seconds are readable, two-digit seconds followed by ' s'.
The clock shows 12 h 03 min 11 s
